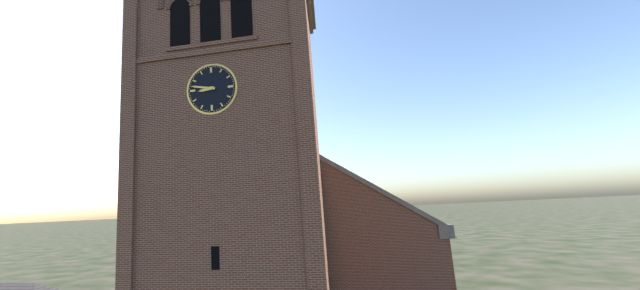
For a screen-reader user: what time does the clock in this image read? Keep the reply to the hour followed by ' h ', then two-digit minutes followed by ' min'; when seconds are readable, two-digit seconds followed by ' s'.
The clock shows 8 h 47 min
